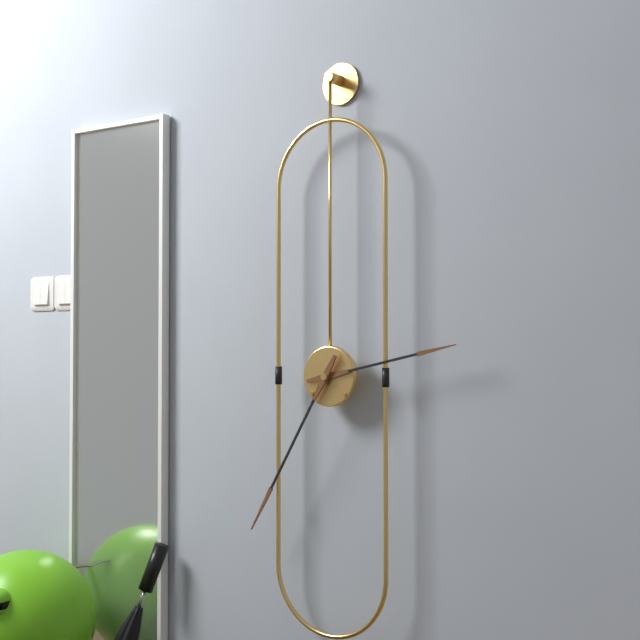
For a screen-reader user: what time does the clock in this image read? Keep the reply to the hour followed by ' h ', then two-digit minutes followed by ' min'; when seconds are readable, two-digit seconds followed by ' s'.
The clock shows 2 h 35 min
